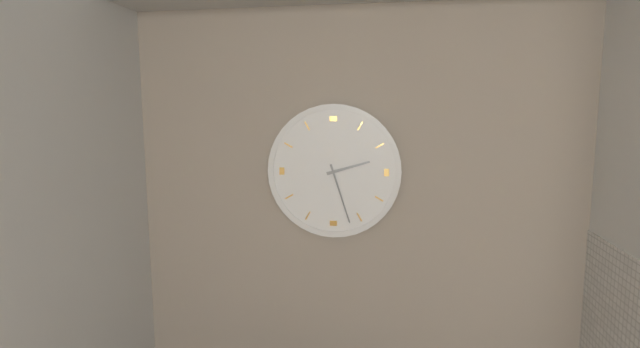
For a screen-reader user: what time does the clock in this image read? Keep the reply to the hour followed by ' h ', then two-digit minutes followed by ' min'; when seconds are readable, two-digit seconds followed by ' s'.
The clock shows 2 h 27 min
